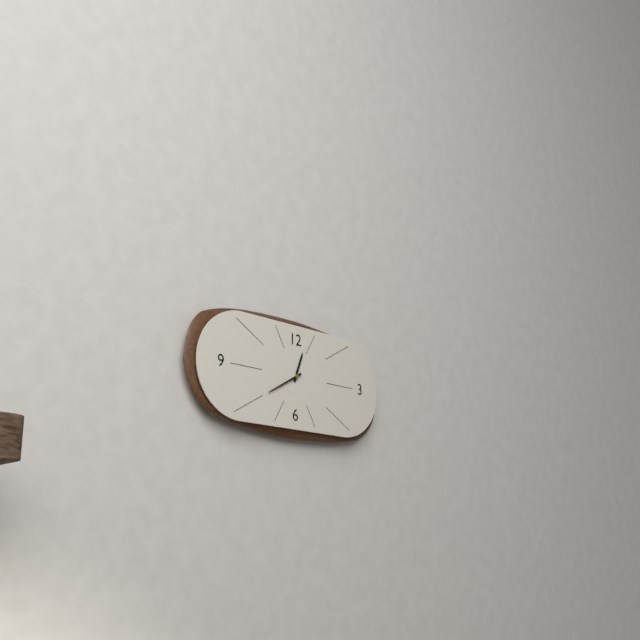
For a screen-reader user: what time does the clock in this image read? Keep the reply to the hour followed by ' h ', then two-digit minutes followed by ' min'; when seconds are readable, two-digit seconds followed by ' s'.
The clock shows 12 h 40 min
